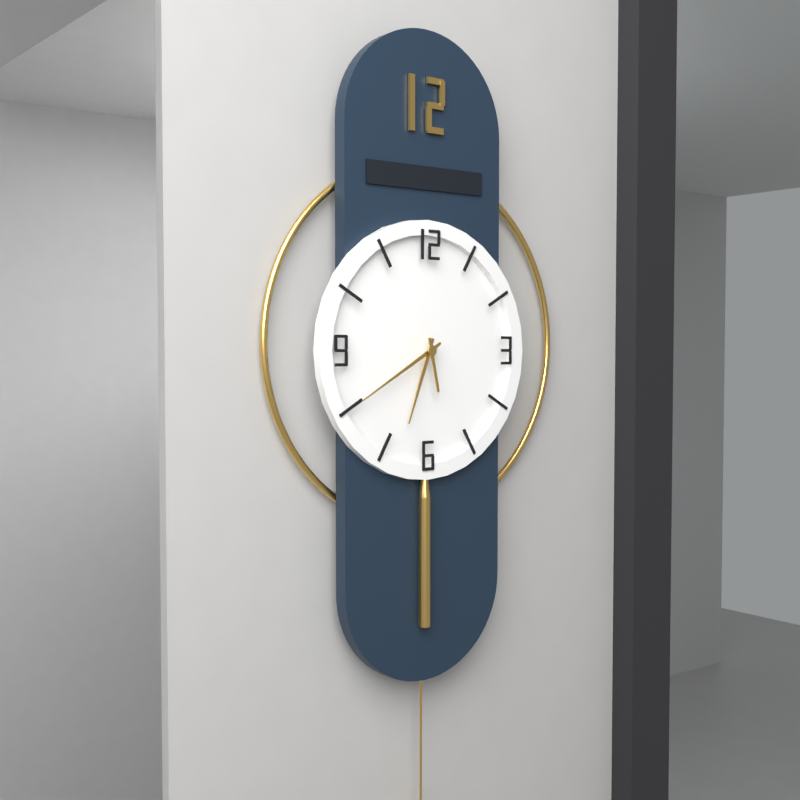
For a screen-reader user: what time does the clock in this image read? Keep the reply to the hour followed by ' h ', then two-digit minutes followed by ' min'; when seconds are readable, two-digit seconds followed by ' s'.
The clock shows 6 h 40 min 28 s
